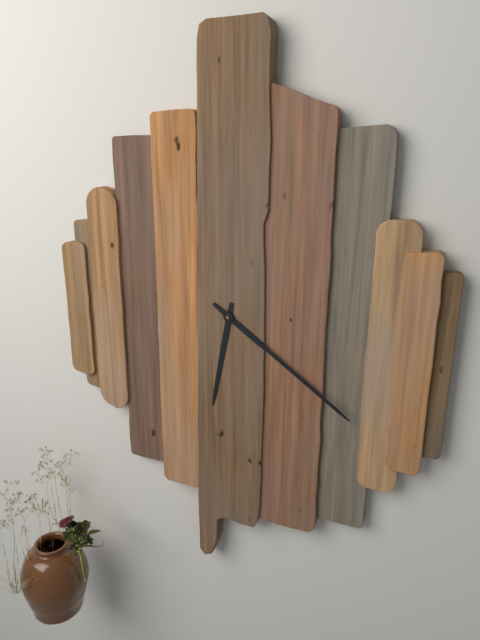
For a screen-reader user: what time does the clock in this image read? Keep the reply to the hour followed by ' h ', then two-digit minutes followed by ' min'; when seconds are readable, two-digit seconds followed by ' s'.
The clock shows 6 h 21 min
